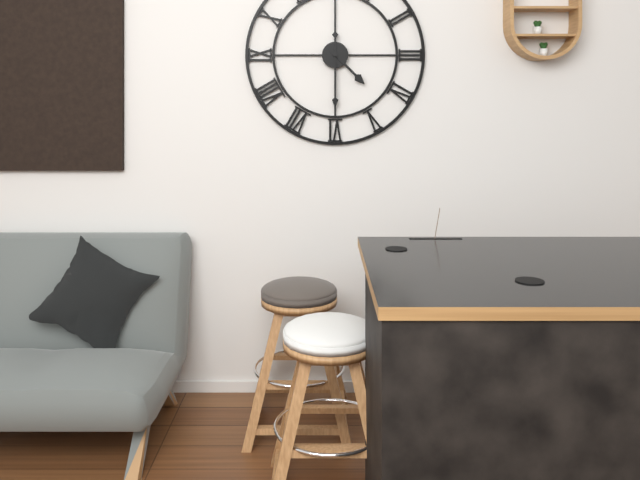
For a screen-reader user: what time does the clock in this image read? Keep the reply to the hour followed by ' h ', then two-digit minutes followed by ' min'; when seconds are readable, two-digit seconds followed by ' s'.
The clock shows 4 h 30 min
